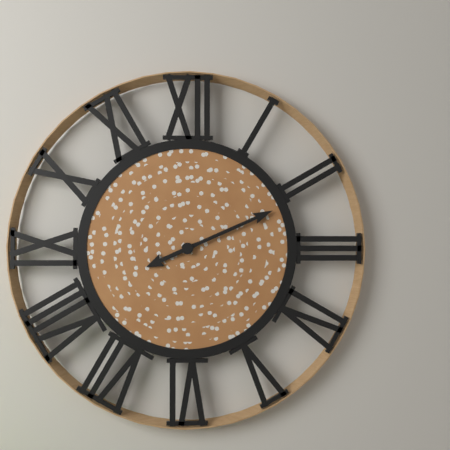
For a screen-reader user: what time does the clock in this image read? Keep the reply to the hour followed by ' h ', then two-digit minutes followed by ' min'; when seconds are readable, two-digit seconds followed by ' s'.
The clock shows 8 h 11 min
